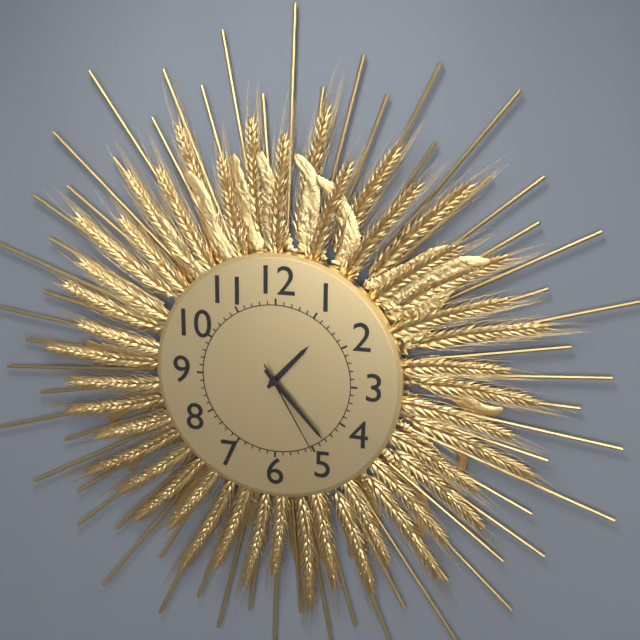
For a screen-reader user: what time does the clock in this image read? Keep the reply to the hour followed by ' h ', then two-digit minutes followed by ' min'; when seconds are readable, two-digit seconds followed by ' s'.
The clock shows 1 h 23 min 25 s
